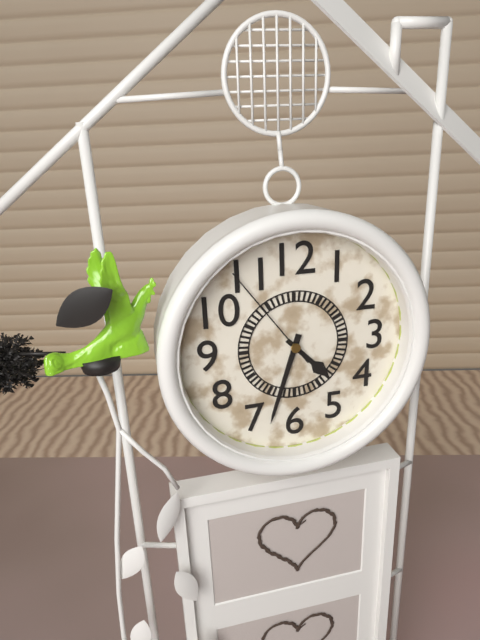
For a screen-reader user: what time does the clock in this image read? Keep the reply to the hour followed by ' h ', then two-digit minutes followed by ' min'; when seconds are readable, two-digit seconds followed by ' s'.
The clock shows 4 h 33 min 54 s
